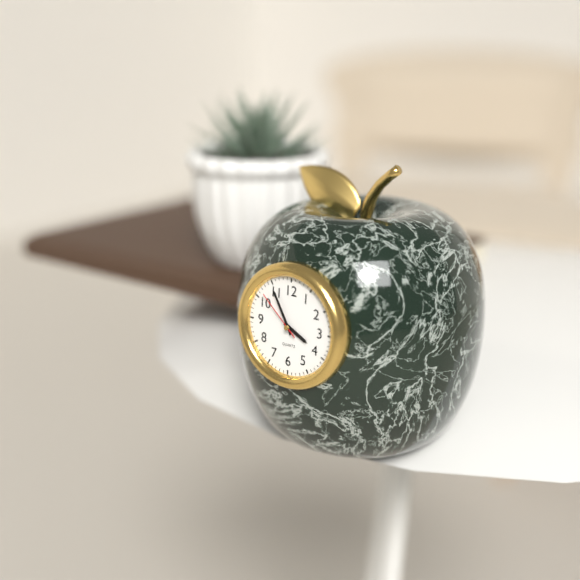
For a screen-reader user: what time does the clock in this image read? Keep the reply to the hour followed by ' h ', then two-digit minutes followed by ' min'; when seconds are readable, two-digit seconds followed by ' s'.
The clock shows 3 h 55 min 52 s
